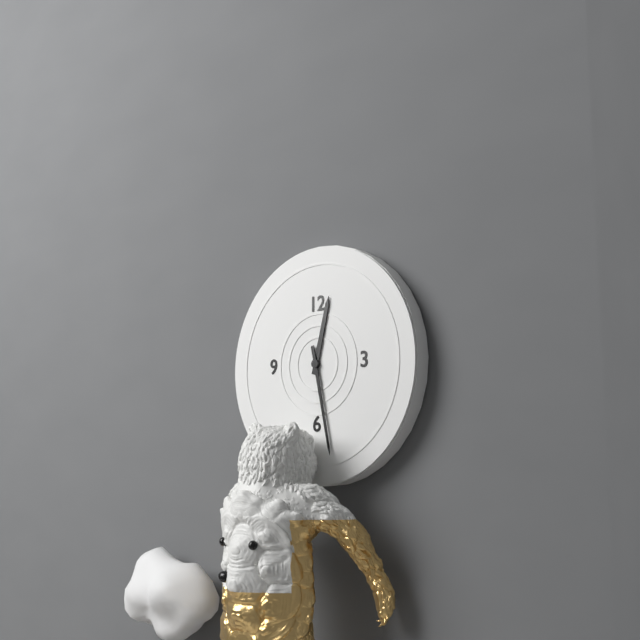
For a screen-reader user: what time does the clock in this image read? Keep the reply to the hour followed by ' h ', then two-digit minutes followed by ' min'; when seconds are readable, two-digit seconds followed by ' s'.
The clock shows 12 h 28 min
